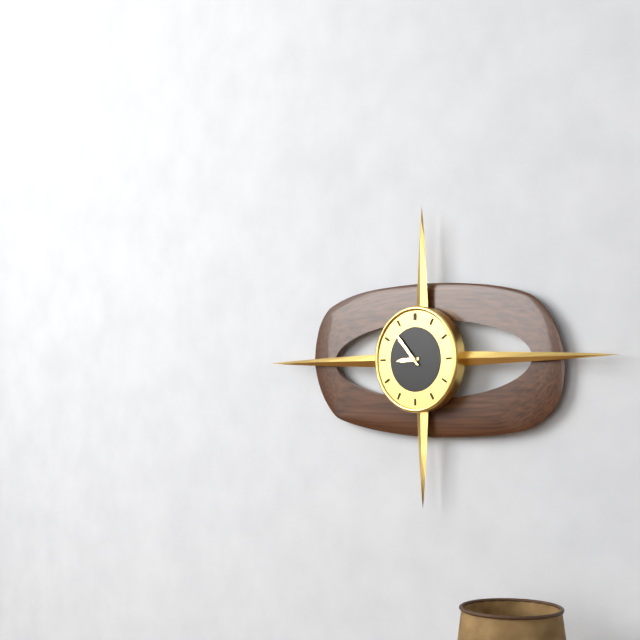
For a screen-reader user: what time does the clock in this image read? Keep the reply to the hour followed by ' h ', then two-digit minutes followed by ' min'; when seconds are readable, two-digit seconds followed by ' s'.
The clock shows 8 h 53 min
